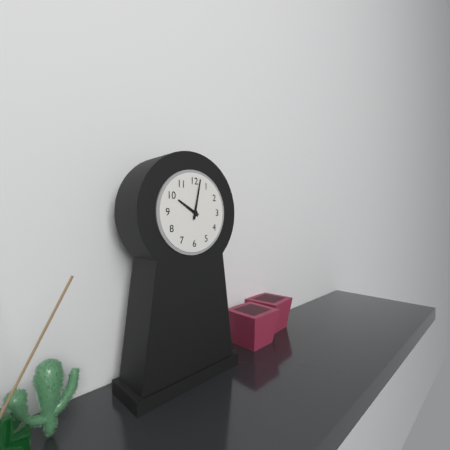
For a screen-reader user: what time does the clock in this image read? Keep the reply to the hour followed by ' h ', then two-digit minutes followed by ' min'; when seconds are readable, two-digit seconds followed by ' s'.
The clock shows 10 h 02 min
